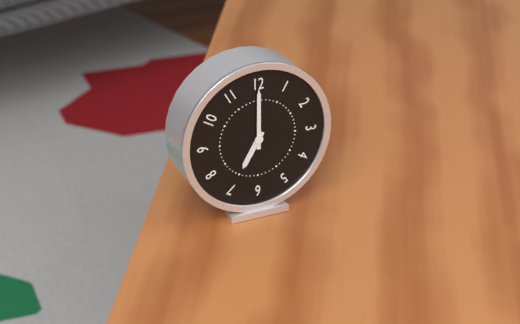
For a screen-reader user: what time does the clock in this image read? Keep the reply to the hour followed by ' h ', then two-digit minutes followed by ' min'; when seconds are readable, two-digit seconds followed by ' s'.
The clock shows 7 h 00 min
